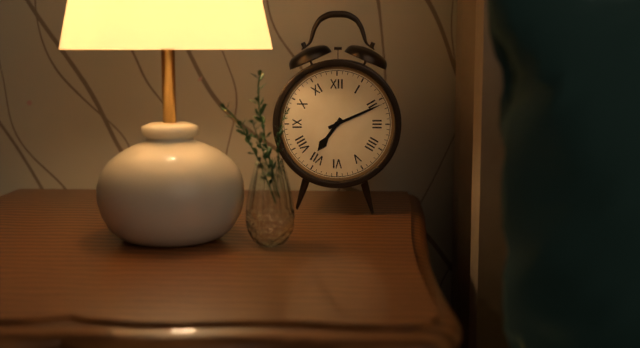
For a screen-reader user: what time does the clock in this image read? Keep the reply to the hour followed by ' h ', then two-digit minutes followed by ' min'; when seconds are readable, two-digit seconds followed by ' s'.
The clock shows 7 h 11 min
